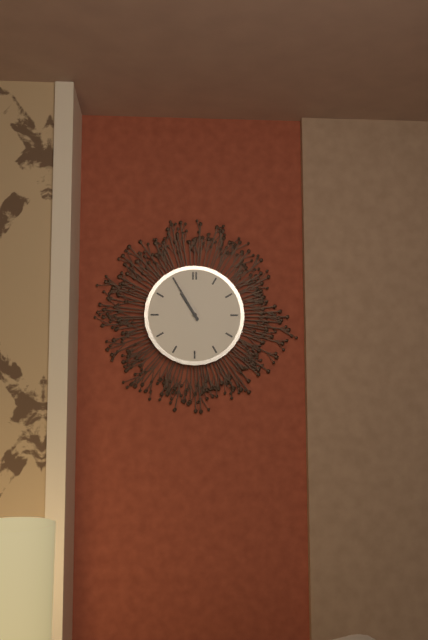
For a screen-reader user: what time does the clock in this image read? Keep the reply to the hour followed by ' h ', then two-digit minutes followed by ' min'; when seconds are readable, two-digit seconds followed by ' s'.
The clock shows 10 h 55 min
